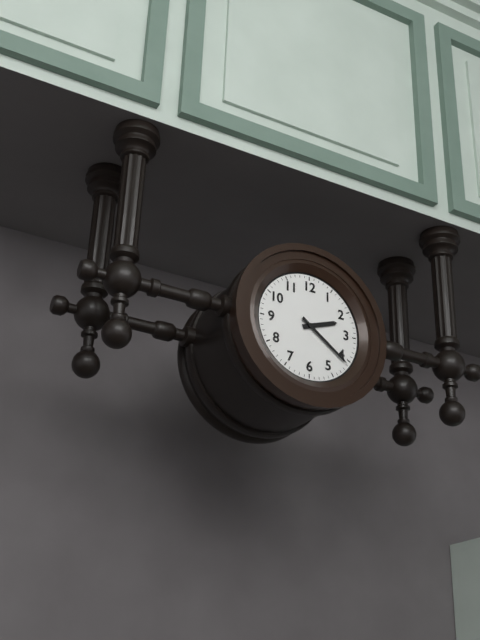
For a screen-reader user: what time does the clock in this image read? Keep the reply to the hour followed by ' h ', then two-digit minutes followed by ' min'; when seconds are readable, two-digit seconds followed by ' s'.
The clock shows 2 h 21 min
